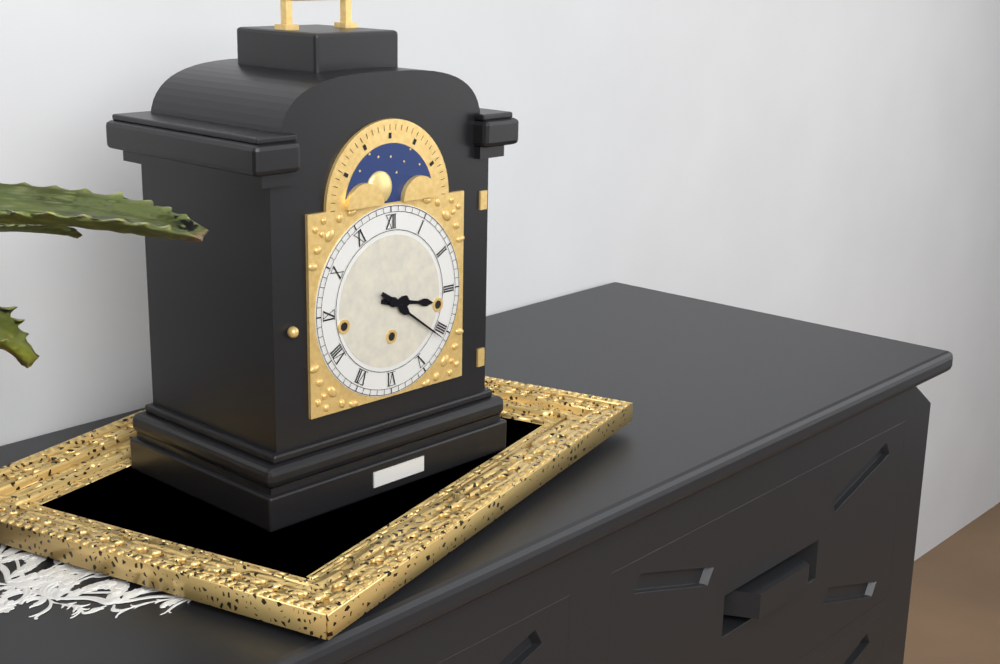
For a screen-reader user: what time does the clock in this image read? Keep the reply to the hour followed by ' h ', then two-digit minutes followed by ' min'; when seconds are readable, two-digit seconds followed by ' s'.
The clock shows 3 h 21 min
